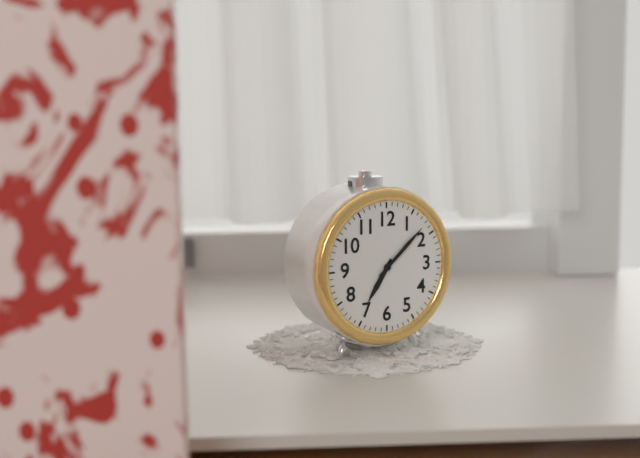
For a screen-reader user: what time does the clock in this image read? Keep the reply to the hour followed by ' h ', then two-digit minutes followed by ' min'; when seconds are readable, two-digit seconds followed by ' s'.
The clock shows 7 h 08 min
